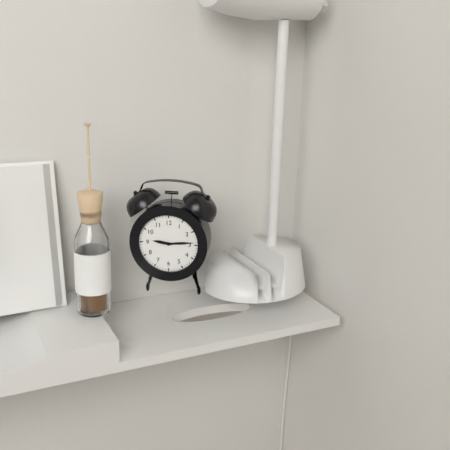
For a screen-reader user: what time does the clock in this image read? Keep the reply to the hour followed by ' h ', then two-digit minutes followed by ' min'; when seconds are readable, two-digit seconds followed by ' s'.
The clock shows 9 h 14 min
